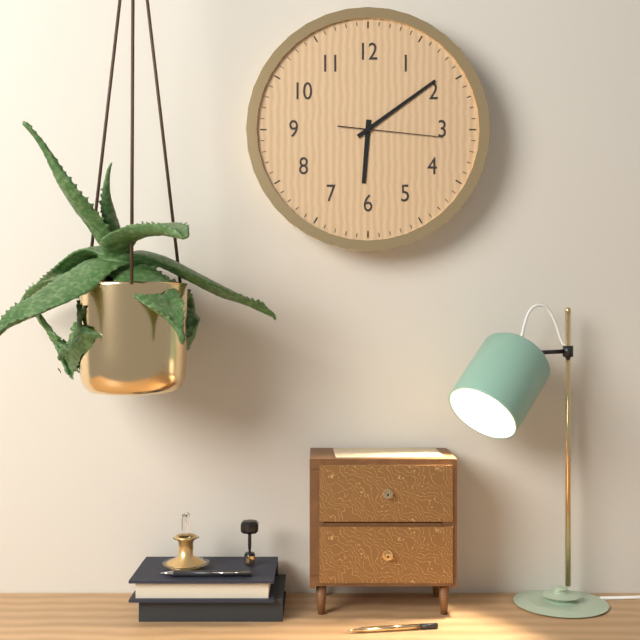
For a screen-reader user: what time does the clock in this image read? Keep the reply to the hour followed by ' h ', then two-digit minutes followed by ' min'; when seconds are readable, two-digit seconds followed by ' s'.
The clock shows 6 h 09 min 16 s
